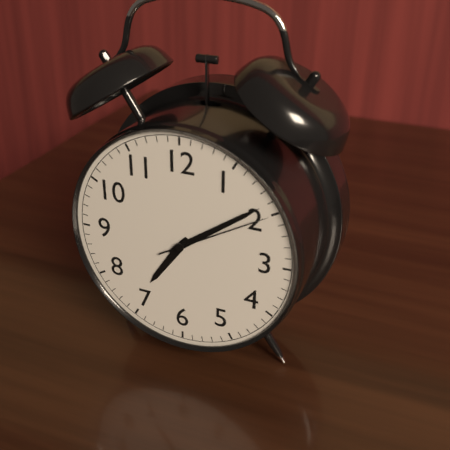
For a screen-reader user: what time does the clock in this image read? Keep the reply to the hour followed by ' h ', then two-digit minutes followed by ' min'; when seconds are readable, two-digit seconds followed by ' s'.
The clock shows 7 h 09 min 10 s
